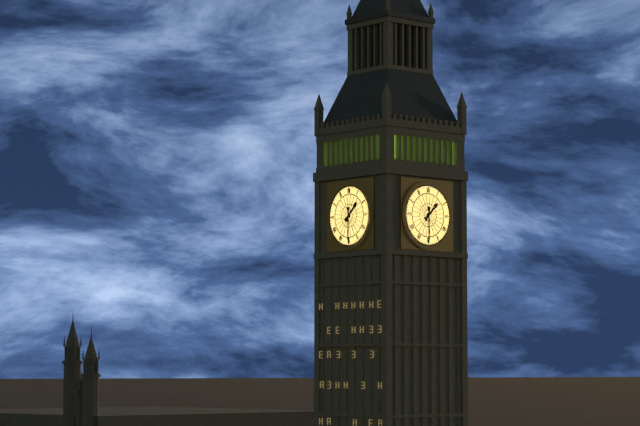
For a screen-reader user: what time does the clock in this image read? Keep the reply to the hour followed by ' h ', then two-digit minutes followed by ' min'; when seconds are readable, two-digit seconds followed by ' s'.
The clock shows 1 h 30 min
